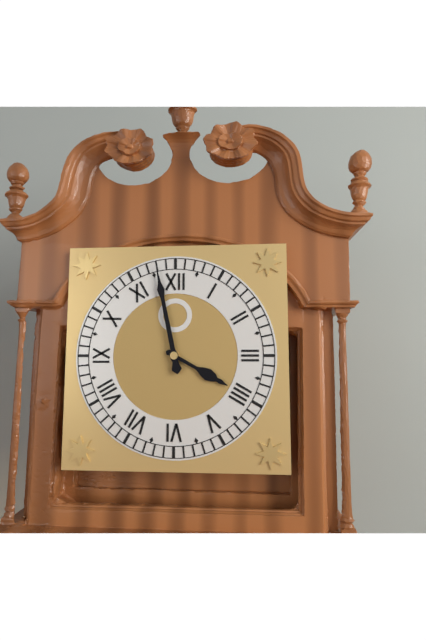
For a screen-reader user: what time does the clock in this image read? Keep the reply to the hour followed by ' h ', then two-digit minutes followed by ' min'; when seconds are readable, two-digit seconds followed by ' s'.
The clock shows 3 h 58 min
